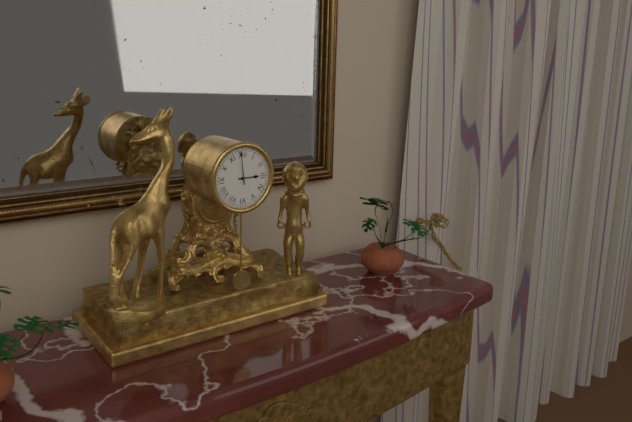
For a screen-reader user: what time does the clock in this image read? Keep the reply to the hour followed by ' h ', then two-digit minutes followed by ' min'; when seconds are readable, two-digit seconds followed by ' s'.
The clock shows 2 h 59 min
